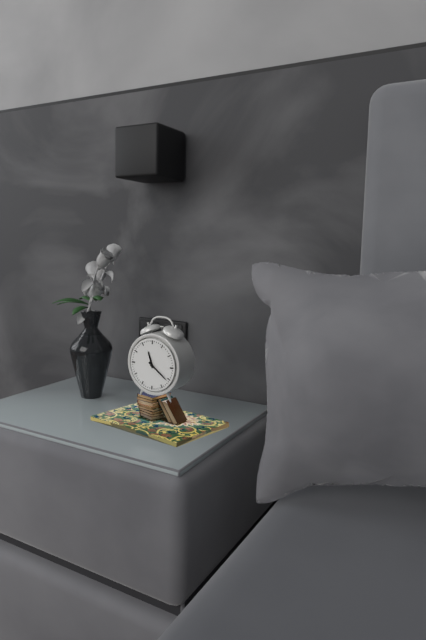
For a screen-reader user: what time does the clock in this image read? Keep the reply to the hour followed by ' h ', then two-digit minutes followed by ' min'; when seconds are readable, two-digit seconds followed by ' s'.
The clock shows 11 h 21 min
